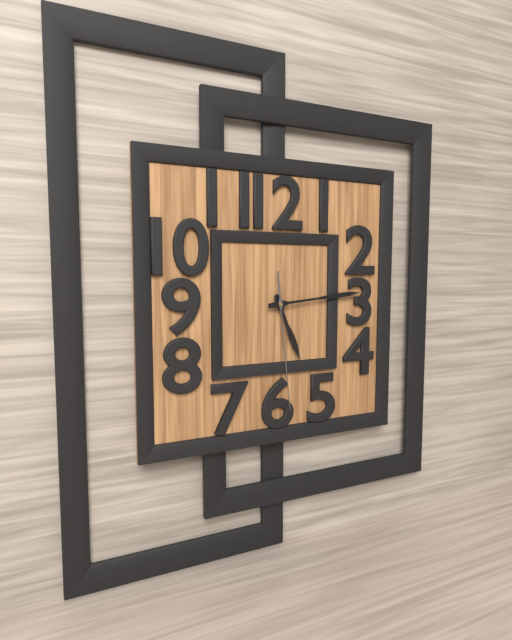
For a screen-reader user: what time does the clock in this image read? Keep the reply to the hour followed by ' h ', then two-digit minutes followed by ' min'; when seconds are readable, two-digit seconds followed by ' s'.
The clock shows 5 h 14 min 29 s
